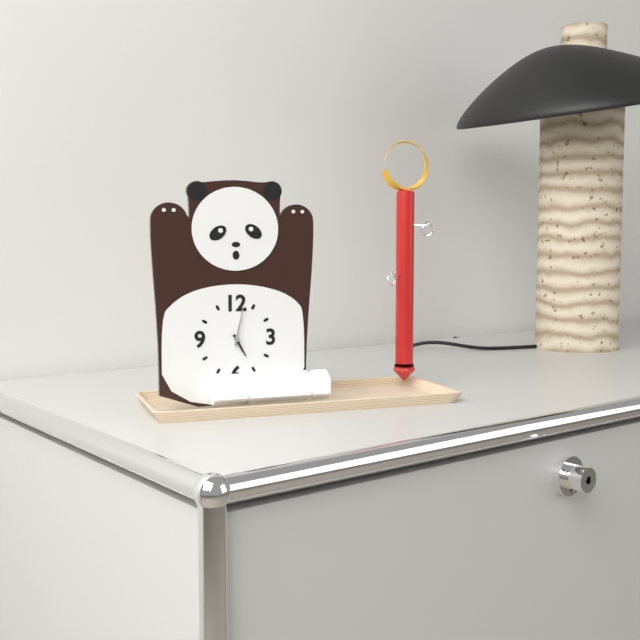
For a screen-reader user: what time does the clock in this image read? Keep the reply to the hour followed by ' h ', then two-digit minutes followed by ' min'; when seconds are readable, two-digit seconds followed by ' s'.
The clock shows 5 h 02 min
